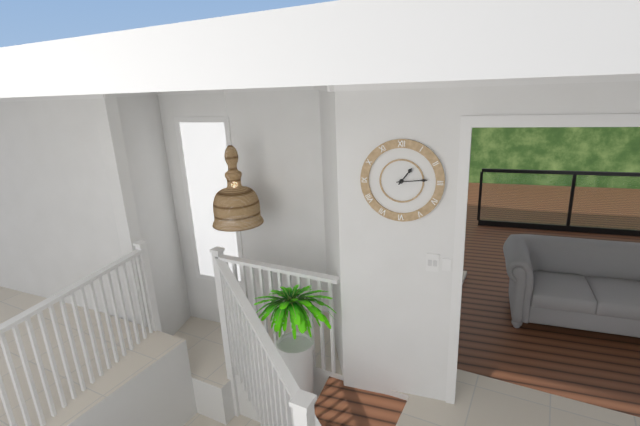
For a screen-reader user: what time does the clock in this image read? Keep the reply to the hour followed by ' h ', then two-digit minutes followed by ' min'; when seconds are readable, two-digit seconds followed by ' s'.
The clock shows 1 h 14 min
